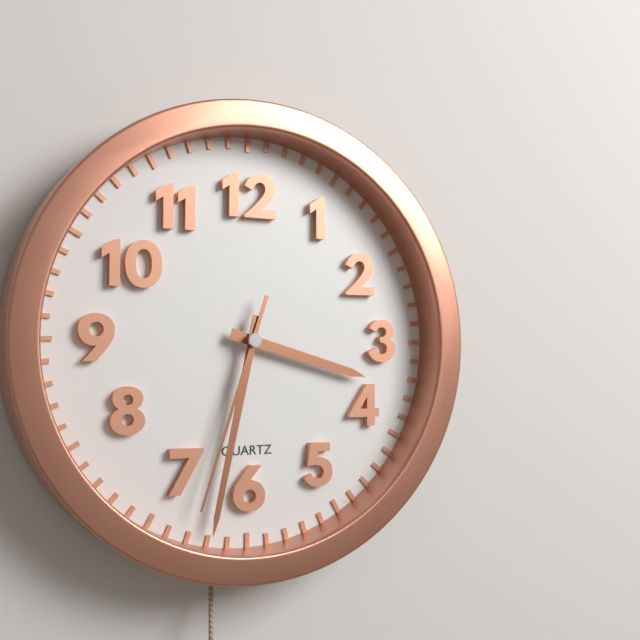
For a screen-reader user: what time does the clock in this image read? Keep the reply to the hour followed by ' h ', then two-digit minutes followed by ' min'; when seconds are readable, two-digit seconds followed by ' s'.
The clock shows 3 h 32 min 33 s
